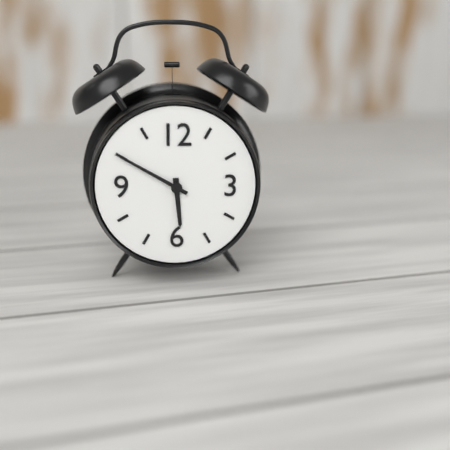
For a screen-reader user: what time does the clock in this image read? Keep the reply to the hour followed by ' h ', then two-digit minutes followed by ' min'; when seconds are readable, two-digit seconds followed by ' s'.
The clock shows 5 h 50 min
